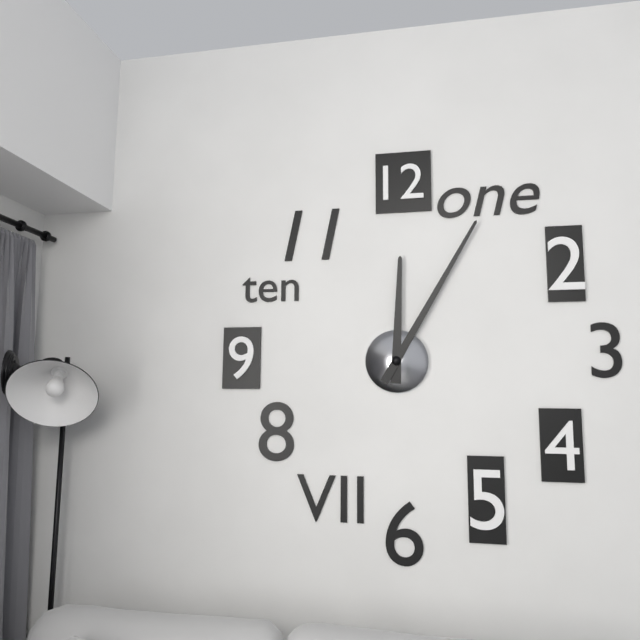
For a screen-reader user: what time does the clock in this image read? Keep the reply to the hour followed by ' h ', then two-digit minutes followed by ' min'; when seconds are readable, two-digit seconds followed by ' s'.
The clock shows 12 h 05 min
